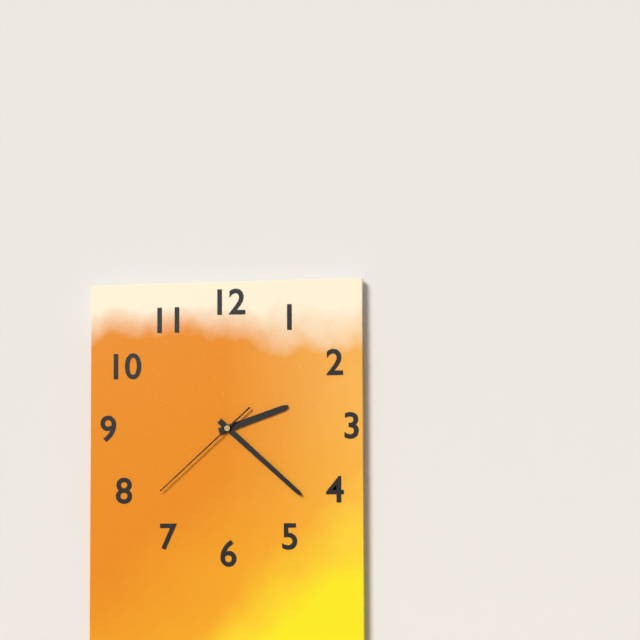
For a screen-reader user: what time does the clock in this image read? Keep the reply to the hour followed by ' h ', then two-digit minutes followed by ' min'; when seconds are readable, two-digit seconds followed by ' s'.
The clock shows 2 h 22 min 38 s
